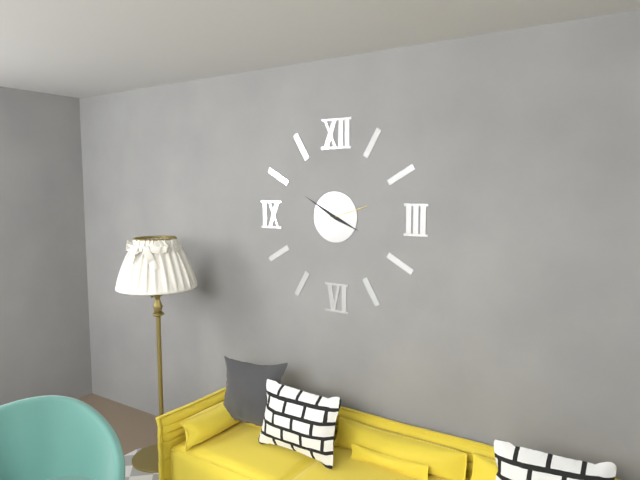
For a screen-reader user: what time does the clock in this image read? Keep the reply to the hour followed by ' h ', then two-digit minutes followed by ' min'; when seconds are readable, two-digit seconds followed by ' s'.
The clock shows 3 h 50 min
